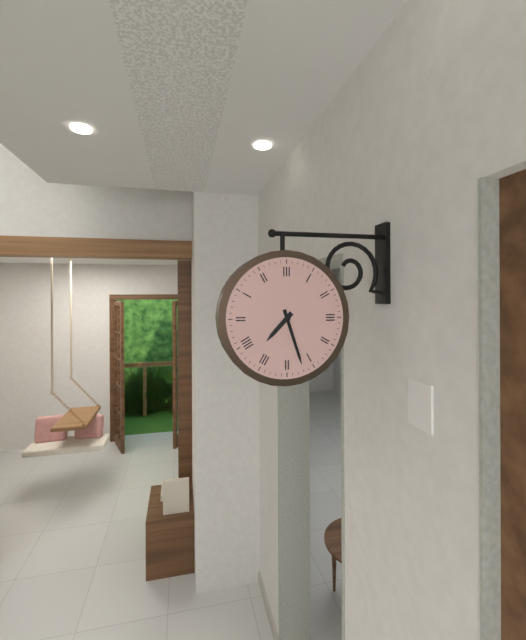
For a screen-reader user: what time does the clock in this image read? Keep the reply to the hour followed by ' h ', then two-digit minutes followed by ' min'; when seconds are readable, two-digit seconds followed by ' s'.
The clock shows 7 h 27 min
